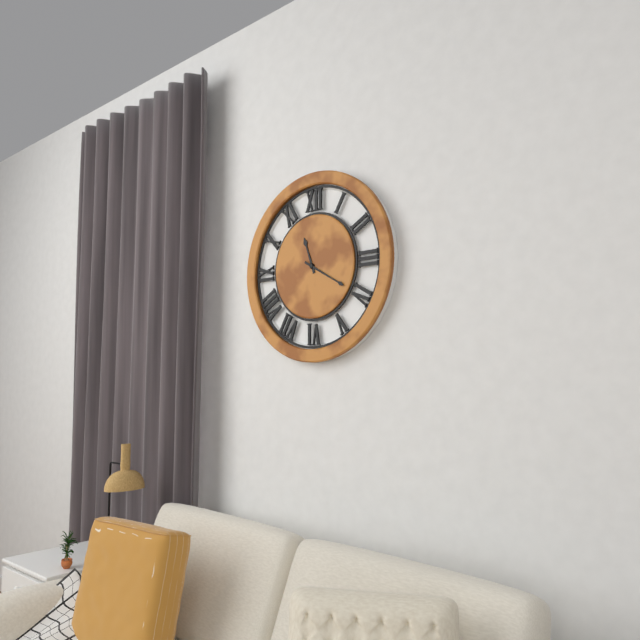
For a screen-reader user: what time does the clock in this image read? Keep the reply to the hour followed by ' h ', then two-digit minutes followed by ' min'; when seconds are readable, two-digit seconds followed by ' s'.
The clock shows 11 h 20 min
